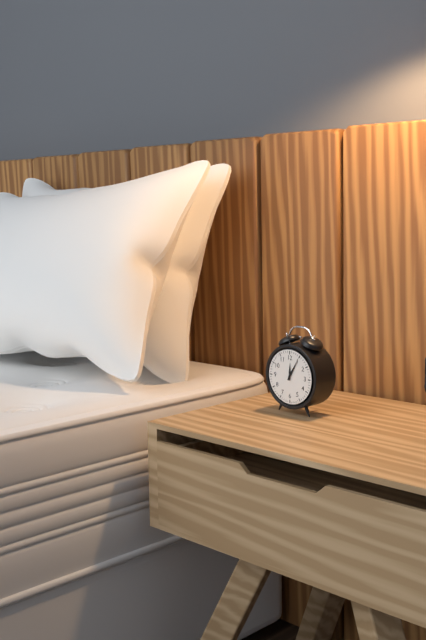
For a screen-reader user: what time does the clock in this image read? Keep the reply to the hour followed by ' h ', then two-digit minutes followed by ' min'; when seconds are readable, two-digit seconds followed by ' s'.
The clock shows 12 h 05 min
